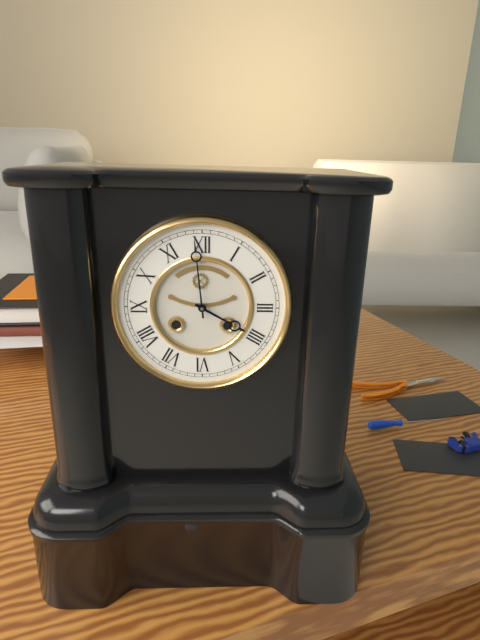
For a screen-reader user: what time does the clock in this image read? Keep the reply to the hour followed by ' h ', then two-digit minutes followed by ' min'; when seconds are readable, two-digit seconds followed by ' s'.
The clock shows 3 h 59 min
